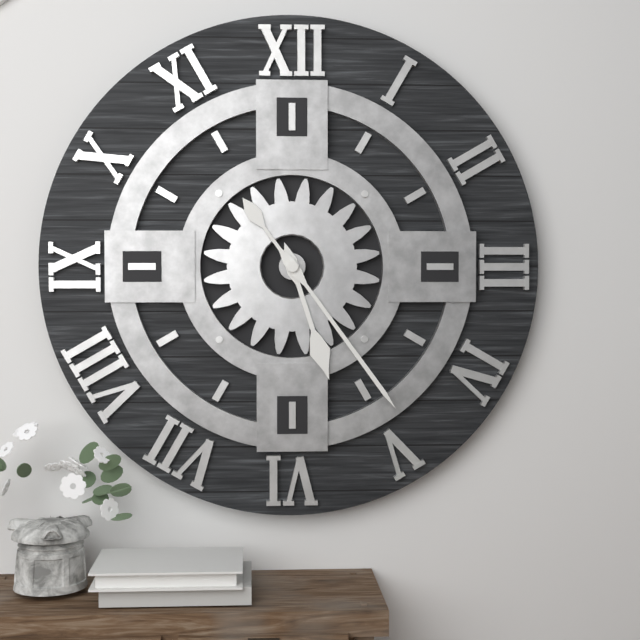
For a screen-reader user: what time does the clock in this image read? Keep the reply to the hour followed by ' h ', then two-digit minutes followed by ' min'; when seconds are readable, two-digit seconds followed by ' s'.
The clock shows 5 h 24 min
